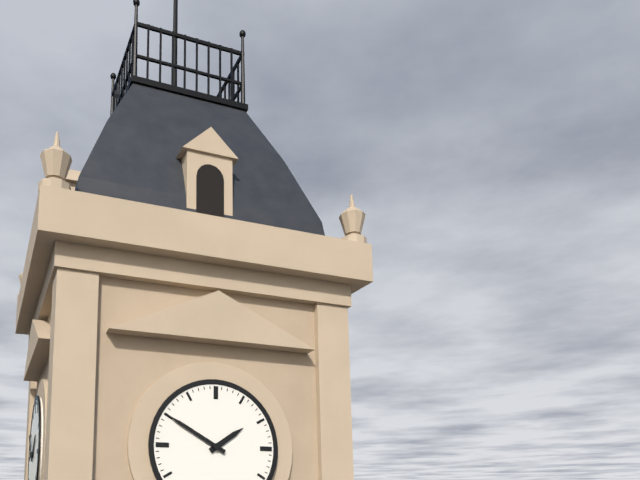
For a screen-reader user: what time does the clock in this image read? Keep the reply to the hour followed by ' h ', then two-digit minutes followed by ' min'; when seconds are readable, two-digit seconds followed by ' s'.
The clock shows 1 h 50 min
